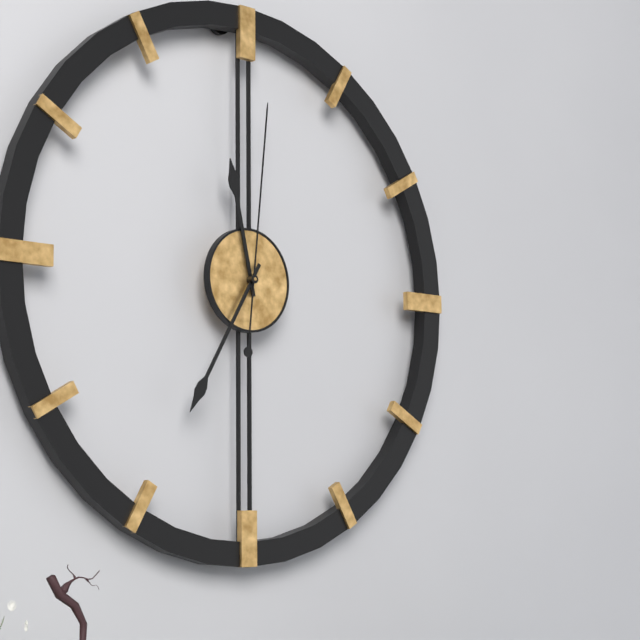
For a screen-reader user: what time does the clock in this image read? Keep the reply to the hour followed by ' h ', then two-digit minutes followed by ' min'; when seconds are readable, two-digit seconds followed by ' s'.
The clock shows 11 h 35 min 01 s
